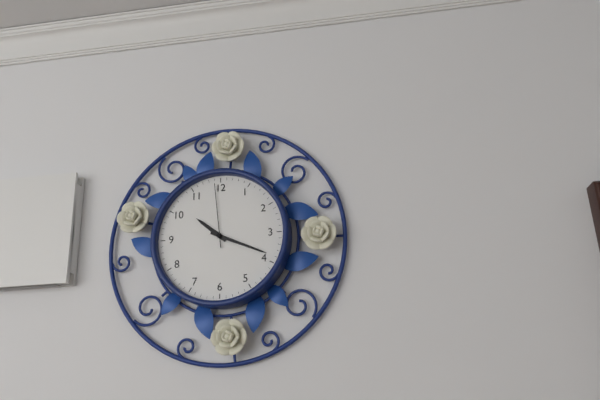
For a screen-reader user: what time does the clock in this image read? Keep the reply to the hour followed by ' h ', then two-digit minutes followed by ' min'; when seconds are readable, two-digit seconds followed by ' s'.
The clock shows 10 h 19 min 59 s
